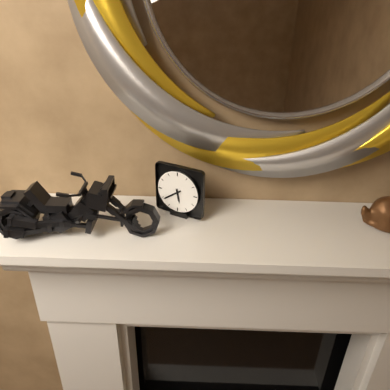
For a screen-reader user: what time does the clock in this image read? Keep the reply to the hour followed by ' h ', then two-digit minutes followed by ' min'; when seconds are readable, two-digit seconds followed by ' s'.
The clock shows 5 h 39 min
